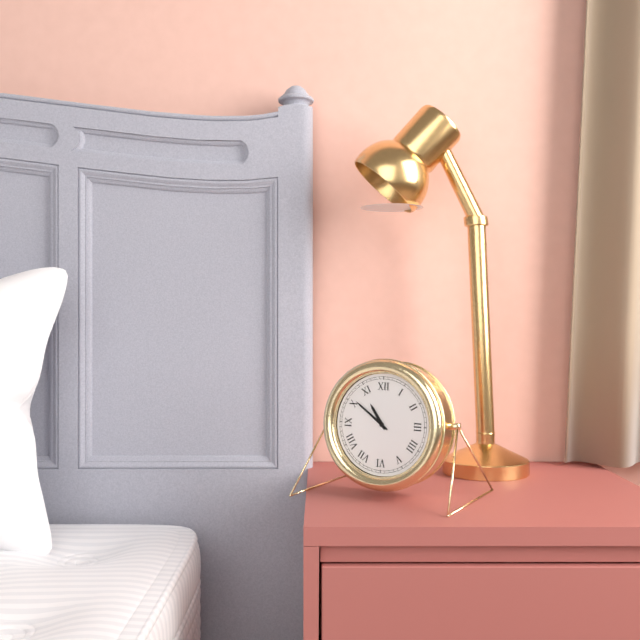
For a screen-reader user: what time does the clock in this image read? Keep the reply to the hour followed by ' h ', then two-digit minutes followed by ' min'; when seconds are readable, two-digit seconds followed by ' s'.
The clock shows 10 h 51 min
